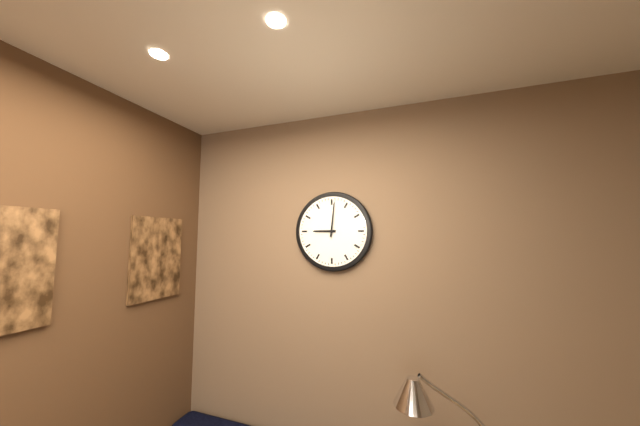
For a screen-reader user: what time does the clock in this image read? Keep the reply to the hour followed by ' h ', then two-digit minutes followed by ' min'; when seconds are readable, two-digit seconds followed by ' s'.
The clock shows 9 h 01 min
